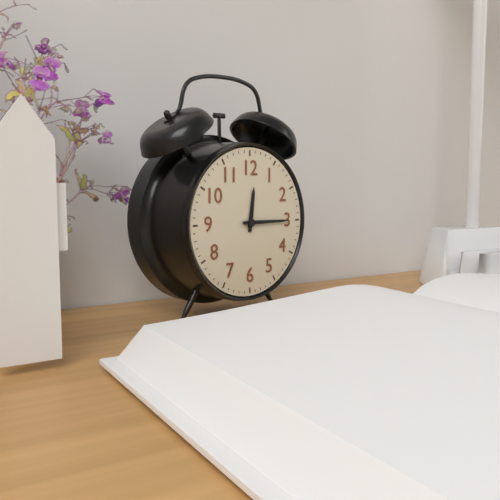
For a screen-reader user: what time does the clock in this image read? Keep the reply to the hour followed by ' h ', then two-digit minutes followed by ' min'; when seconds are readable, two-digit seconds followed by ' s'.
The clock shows 12 h 15 min
